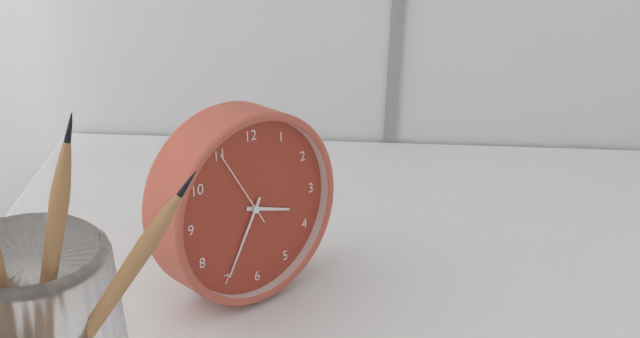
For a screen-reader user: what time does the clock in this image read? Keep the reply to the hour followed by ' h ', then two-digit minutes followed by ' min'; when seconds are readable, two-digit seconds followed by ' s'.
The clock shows 3 h 35 min 55 s
